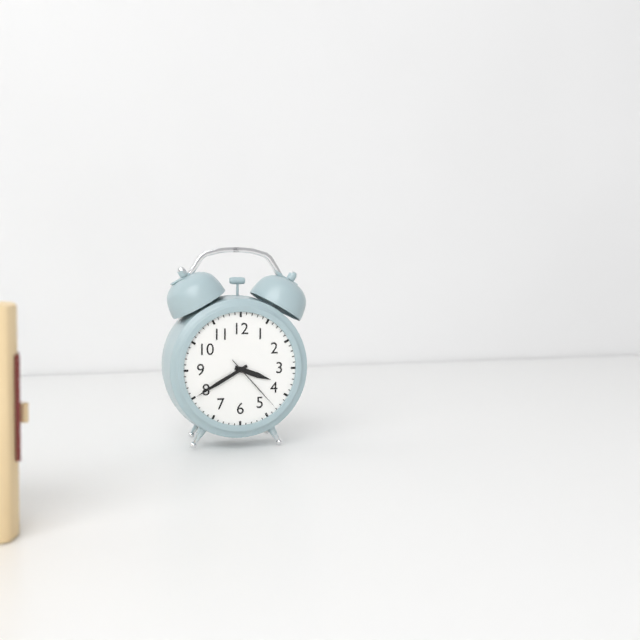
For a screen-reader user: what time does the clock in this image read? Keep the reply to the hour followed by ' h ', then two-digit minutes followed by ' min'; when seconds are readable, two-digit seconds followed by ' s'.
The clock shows 3 h 40 min 23 s
